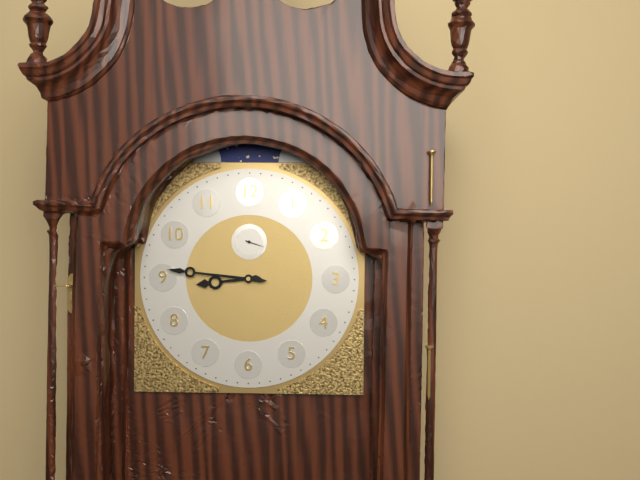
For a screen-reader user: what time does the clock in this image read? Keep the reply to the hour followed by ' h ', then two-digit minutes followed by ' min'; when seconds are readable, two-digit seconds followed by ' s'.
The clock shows 8 h 46 min
